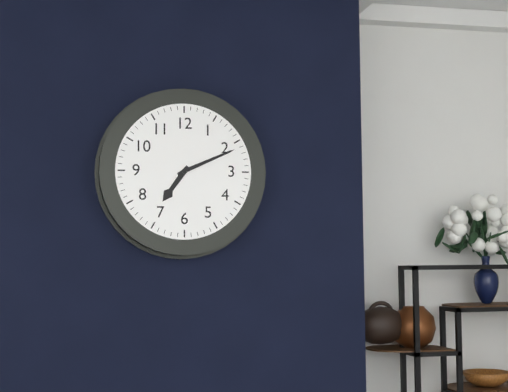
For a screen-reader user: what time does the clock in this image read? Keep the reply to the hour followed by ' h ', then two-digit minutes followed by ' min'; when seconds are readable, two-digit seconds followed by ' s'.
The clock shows 7 h 11 min
